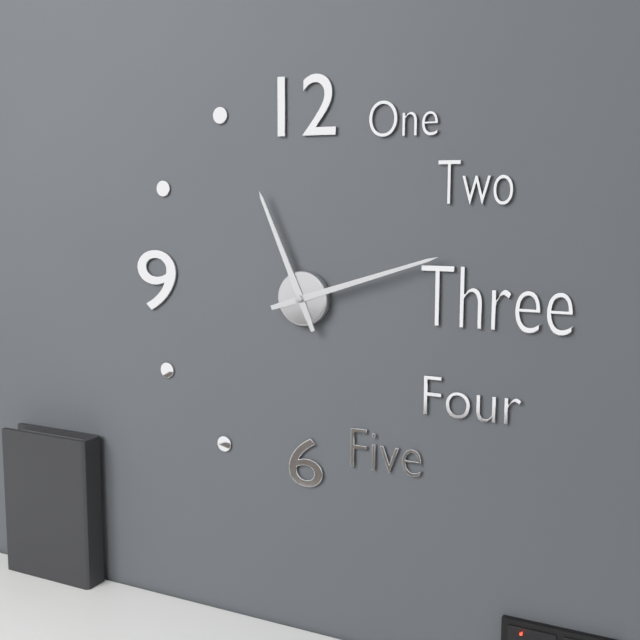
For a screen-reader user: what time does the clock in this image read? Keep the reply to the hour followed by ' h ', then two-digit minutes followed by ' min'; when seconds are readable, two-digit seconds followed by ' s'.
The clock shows 11 h 12 min
